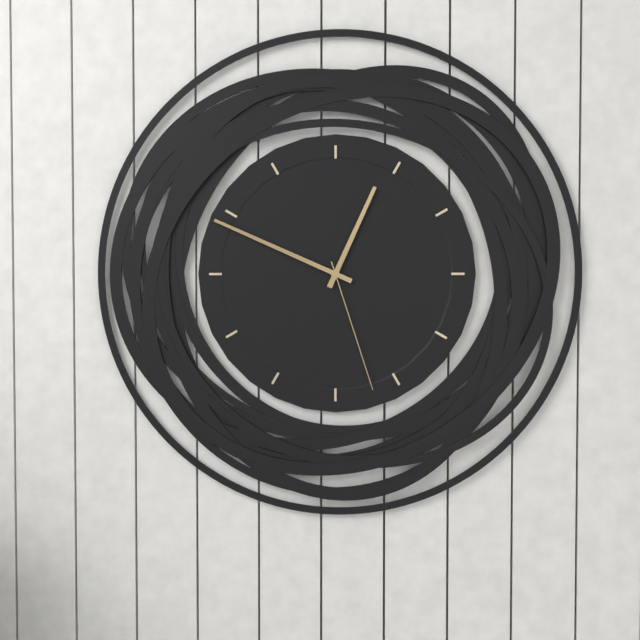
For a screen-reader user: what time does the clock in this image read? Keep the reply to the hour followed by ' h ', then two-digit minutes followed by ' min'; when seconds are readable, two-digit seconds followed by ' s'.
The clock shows 12 h 49 min 27 s
